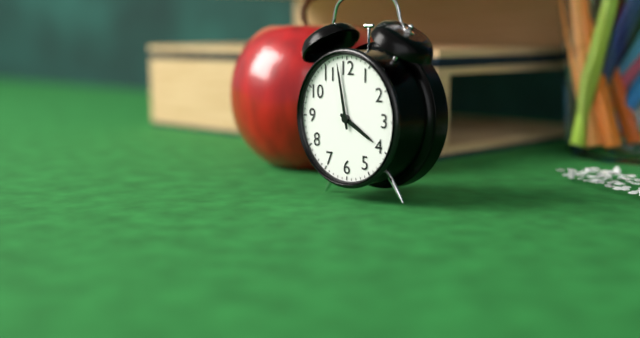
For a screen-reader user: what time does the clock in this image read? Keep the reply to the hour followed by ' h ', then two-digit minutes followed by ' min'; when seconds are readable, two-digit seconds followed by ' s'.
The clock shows 3 h 58 min
